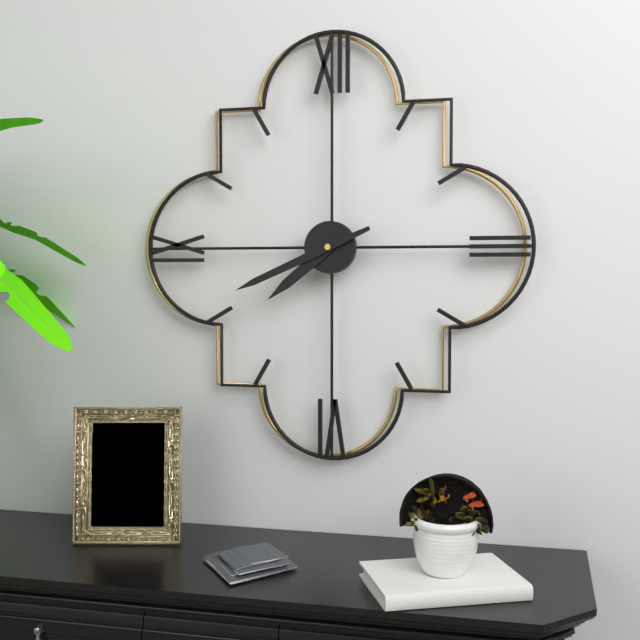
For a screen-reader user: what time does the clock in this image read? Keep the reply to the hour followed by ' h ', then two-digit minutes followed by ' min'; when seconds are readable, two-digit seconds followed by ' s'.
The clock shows 7 h 41 min
